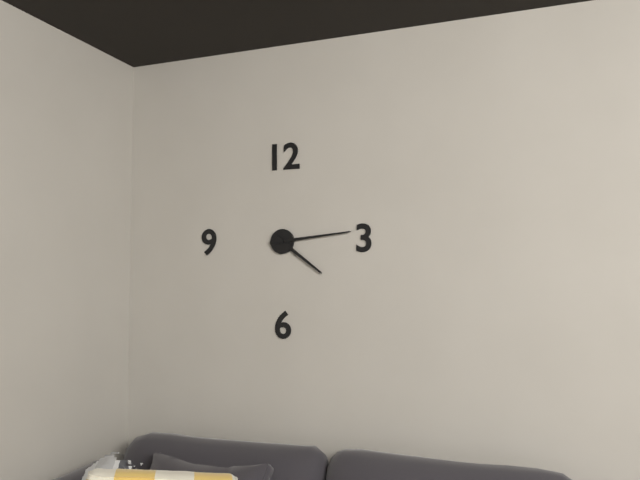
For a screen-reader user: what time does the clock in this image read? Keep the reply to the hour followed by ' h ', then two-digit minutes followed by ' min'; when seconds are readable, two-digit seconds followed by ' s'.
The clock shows 4 h 14 min
